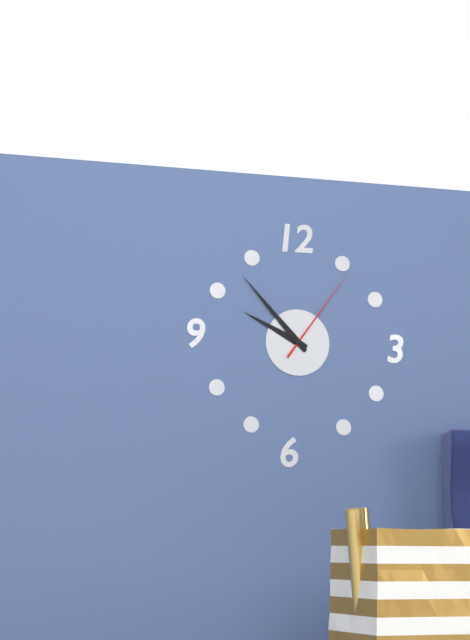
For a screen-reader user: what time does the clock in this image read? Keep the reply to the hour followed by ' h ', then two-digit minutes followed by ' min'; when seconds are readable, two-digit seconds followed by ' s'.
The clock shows 9 h 53 min 06 s
